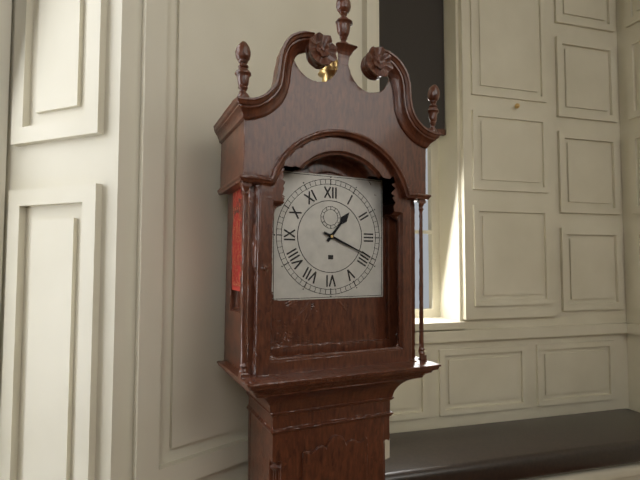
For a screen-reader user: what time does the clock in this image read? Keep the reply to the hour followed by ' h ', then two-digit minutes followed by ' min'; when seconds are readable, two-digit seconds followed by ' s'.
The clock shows 1 h 19 min
